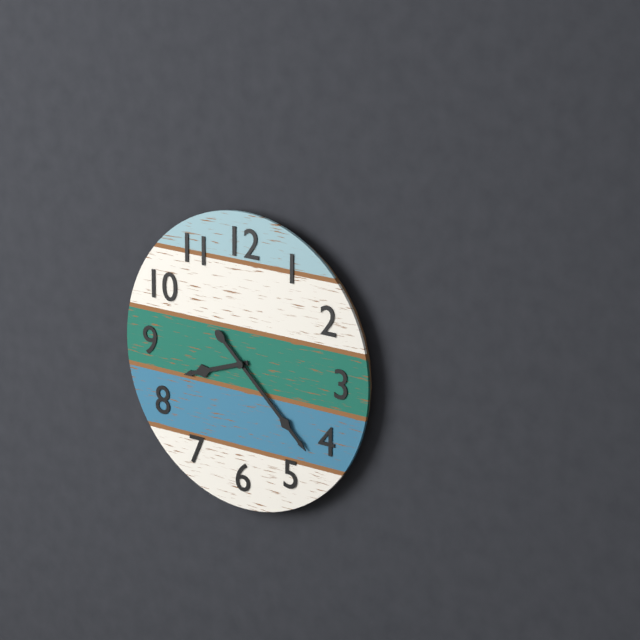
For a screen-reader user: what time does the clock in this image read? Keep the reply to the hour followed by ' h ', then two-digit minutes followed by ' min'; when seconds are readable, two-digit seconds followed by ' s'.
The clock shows 8 h 22 min
